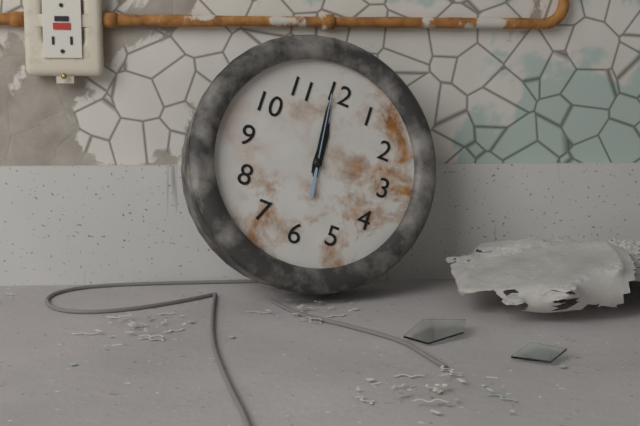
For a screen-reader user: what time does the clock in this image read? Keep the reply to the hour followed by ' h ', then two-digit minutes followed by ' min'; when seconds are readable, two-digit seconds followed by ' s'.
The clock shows 11 h 59 min 59 s
